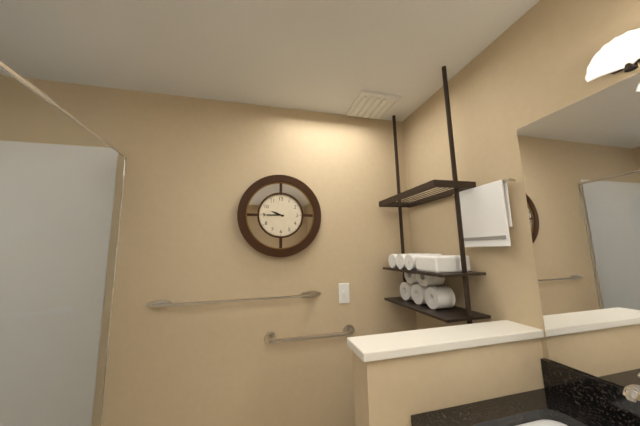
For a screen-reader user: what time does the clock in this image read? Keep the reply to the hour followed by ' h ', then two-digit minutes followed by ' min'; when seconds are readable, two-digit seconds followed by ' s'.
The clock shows 9 h 45 min
